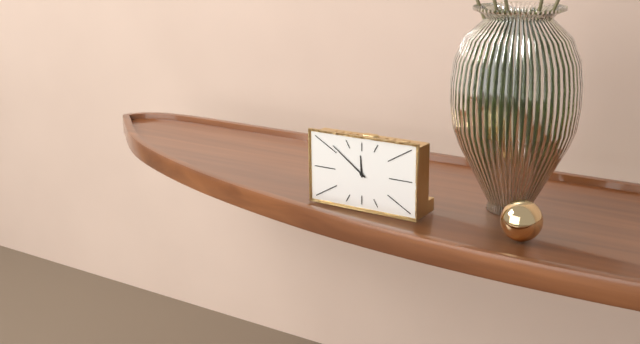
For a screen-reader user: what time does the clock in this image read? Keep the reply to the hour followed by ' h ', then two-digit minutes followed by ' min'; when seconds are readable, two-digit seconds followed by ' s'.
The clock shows 11 h 51 min
